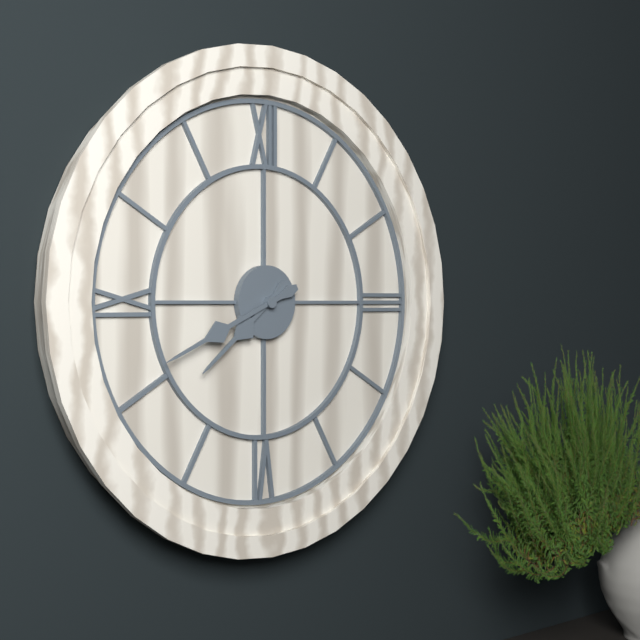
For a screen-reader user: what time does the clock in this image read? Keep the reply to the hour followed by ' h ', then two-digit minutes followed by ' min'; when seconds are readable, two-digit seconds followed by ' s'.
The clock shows 7 h 41 min
